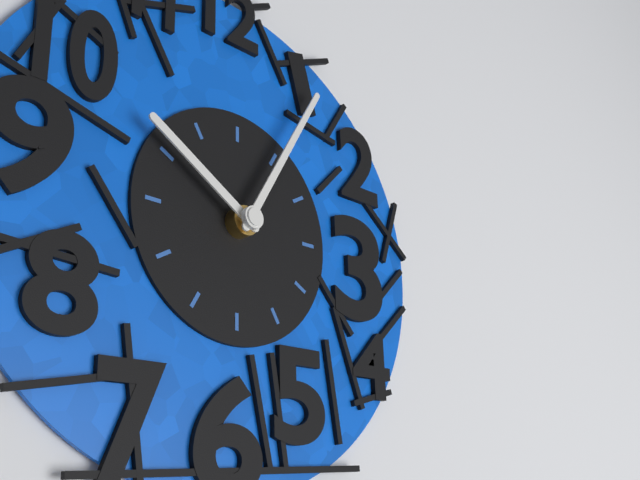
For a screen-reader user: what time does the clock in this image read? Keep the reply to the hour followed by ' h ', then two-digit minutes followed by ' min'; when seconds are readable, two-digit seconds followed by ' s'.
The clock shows 10 h 05 min
